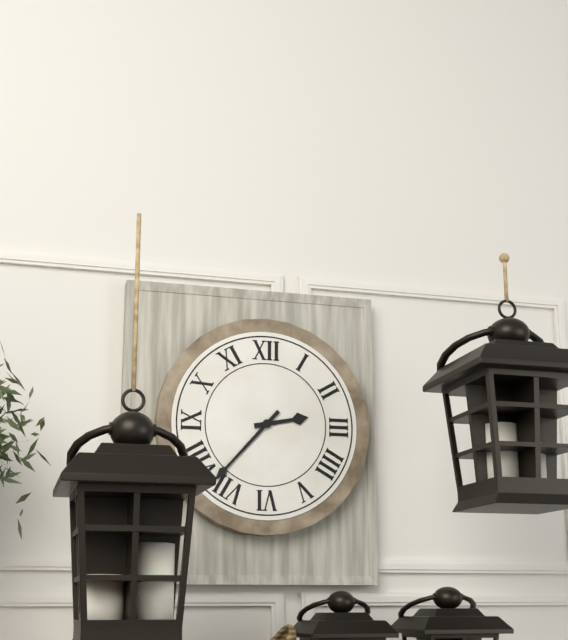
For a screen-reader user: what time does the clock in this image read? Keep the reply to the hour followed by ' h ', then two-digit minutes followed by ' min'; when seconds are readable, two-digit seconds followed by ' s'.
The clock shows 2 h 37 min
